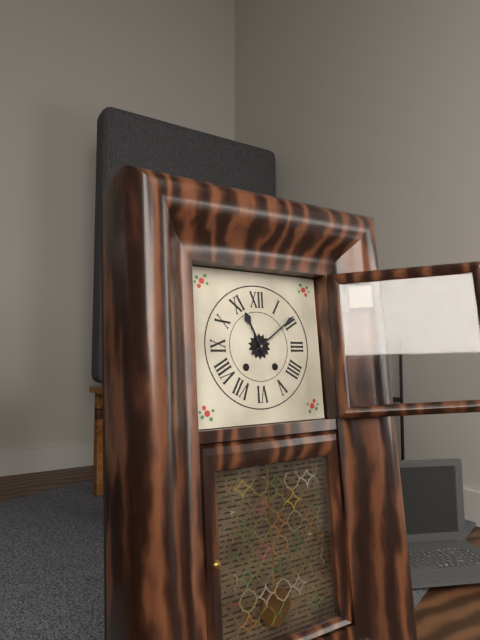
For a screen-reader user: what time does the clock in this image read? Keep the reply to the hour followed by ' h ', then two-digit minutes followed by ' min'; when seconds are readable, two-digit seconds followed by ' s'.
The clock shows 11 h 09 min
